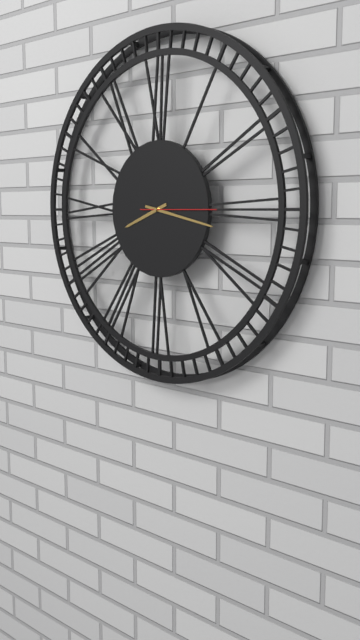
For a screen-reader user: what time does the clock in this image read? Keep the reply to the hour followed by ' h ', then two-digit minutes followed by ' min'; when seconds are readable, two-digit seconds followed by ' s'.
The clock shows 8 h 17 min 15 s
